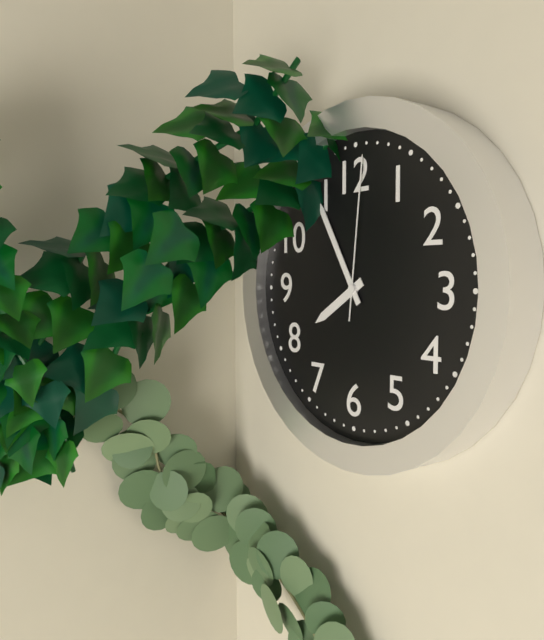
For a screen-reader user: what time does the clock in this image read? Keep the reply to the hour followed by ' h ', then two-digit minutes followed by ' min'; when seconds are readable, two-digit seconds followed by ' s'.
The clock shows 7 h 55 min 01 s
